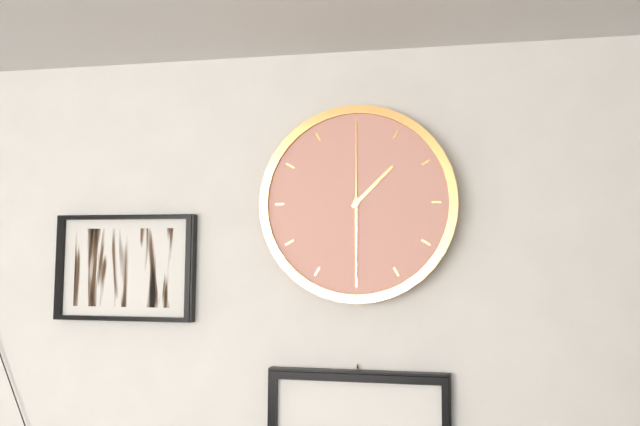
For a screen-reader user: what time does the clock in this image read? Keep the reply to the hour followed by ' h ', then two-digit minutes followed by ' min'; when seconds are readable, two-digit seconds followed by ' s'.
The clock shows 1 h 30 min 00 s
